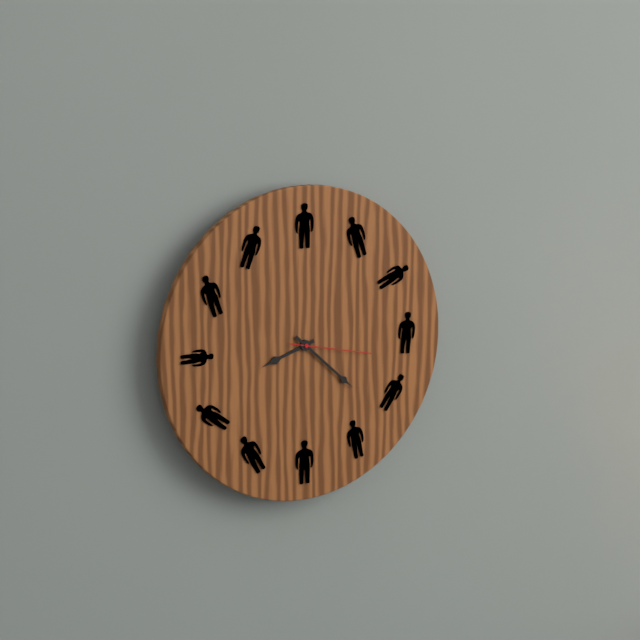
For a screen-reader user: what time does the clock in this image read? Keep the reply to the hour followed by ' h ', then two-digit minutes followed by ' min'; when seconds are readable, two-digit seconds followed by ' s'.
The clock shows 8 h 22 min 17 s
